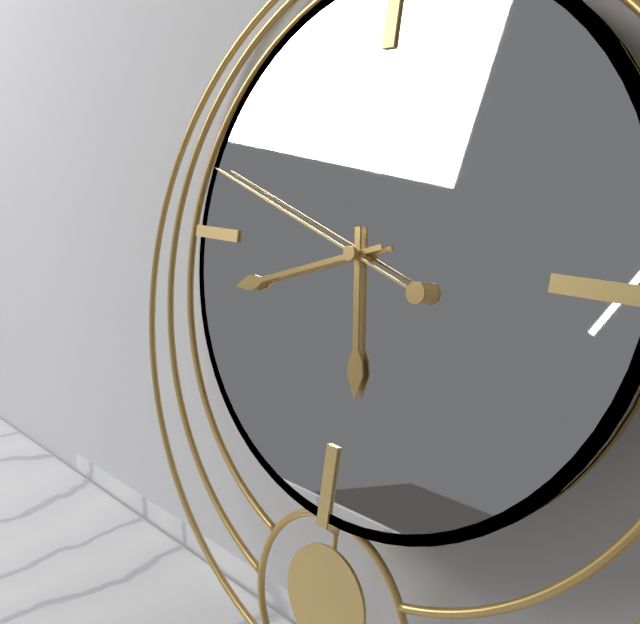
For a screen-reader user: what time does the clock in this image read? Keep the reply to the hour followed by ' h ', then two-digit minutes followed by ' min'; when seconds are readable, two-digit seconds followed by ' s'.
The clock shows 5 h 42 min 48 s
